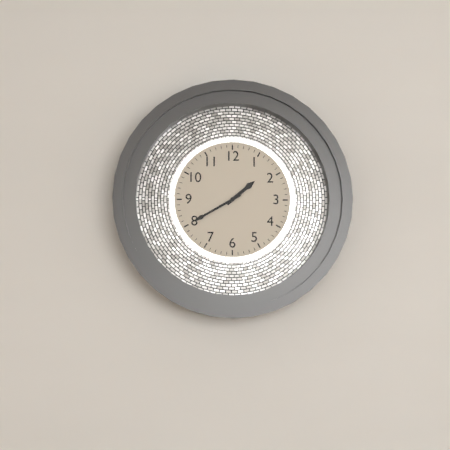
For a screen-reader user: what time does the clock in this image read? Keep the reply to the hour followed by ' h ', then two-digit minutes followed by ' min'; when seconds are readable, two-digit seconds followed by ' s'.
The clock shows 1 h 40 min
